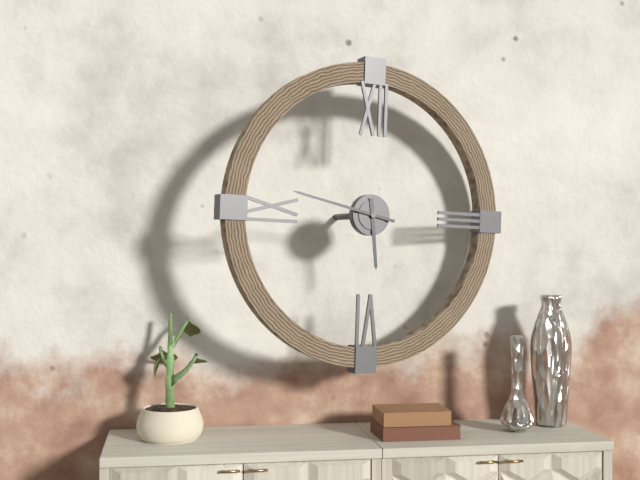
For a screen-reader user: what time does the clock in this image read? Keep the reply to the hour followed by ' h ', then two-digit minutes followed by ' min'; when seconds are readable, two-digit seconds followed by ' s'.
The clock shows 5 h 47 min
